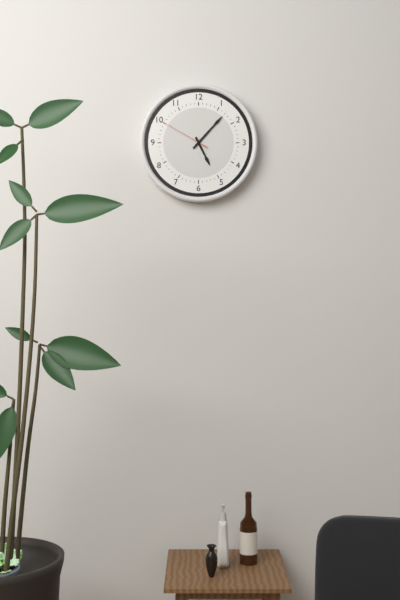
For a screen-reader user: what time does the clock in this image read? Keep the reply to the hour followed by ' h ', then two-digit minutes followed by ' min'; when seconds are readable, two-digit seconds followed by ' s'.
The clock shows 5 h 07 min 50 s
